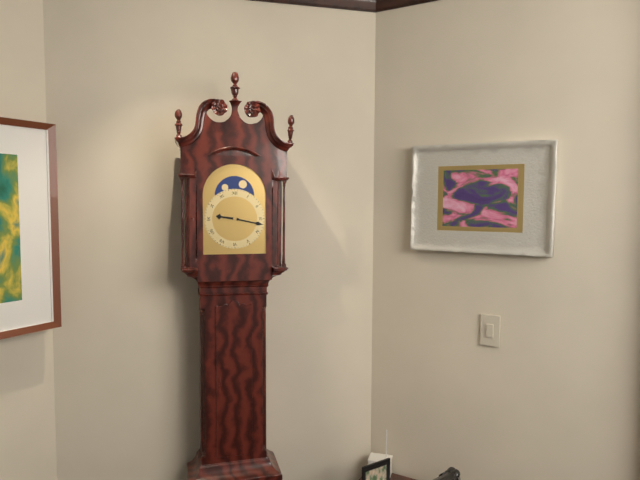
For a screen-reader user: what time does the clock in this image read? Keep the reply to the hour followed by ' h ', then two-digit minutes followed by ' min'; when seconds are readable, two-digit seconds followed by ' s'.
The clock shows 9 h 17 min
